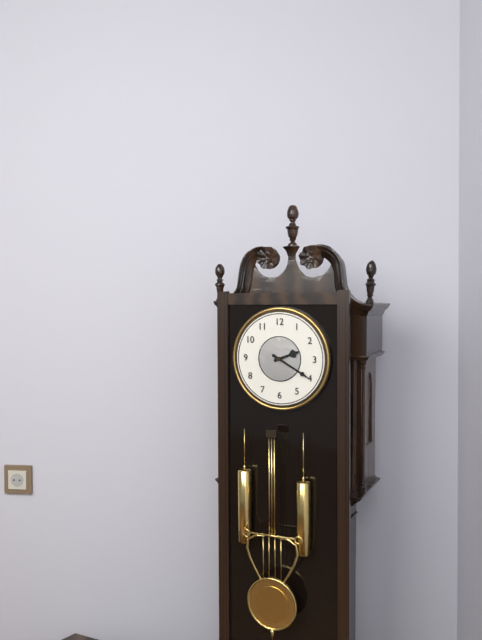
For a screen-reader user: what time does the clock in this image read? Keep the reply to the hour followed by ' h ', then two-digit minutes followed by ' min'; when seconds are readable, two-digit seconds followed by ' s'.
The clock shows 2 h 20 min
